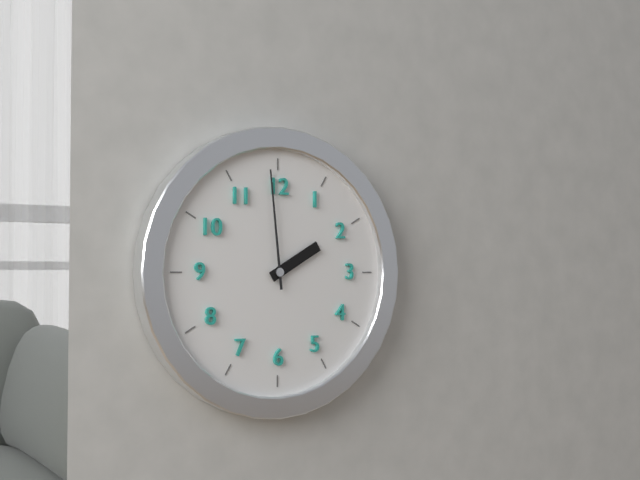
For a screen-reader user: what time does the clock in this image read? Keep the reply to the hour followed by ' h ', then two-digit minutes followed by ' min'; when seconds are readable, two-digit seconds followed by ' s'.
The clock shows 1 h 59 min
